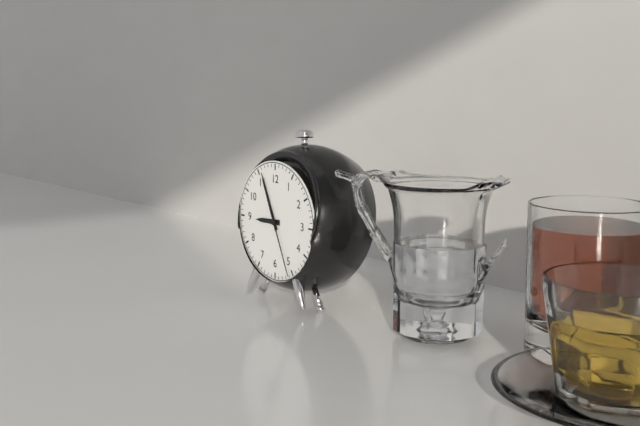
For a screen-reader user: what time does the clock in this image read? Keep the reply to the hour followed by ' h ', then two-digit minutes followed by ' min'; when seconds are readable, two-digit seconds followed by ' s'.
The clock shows 8 h 56 min 26 s
